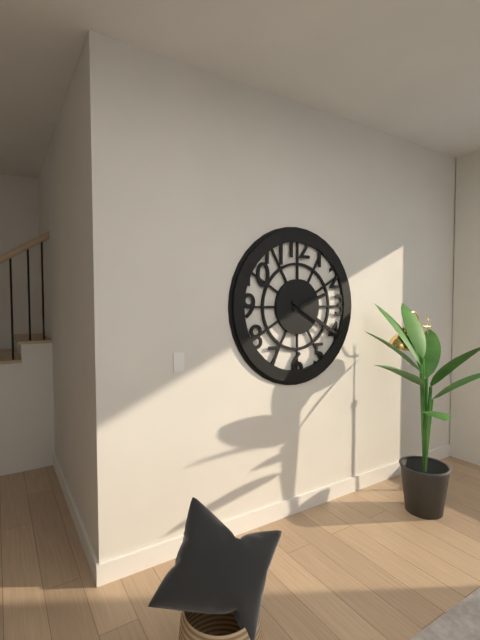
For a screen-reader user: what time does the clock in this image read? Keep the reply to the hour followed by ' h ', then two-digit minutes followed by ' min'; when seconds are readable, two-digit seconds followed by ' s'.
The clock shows 2 h 20 min
